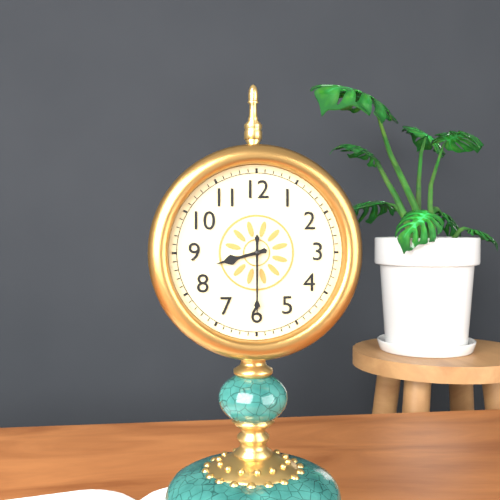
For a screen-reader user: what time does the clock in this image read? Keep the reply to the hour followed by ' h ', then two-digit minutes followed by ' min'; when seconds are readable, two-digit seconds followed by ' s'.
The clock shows 8 h 30 min
